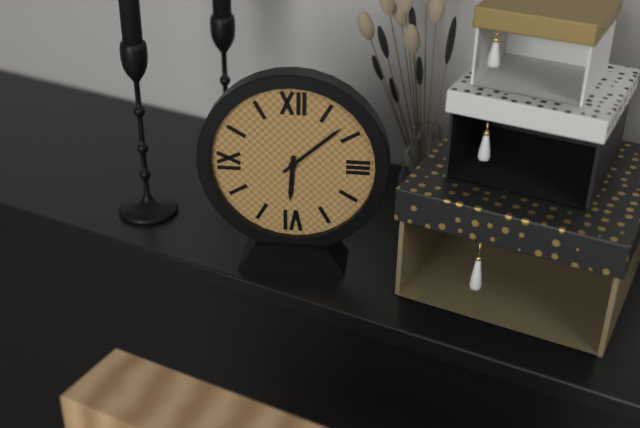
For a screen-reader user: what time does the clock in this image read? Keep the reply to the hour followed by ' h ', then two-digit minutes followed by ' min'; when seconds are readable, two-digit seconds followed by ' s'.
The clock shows 6 h 08 min
